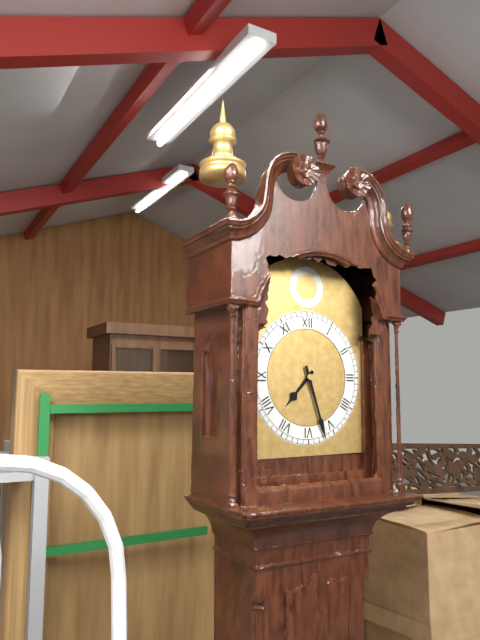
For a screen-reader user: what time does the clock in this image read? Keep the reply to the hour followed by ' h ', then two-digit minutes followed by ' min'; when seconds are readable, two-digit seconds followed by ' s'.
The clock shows 7 h 27 min
